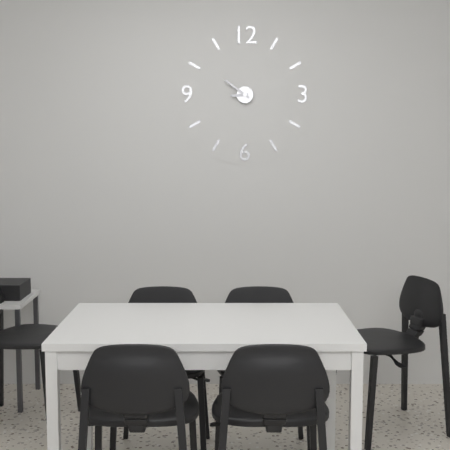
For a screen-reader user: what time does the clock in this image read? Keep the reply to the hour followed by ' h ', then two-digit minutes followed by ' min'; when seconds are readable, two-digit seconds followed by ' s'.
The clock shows 8 h 51 min
